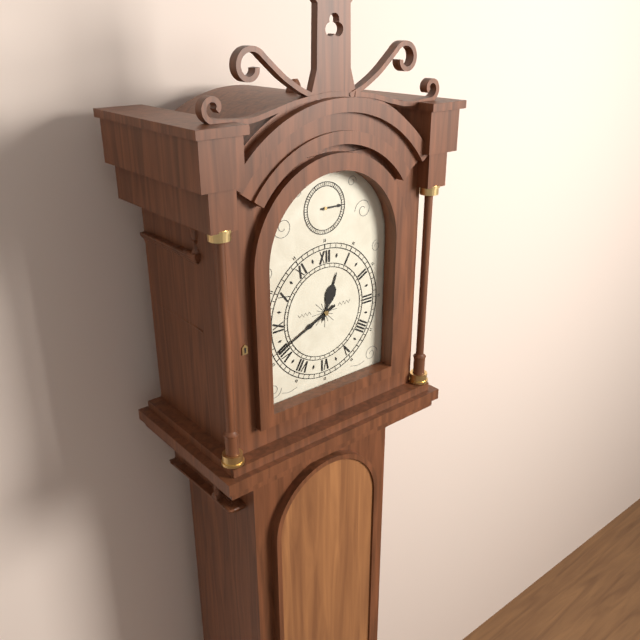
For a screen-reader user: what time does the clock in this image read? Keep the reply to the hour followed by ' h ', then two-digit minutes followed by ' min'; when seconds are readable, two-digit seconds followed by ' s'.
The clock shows 12 h 41 min
